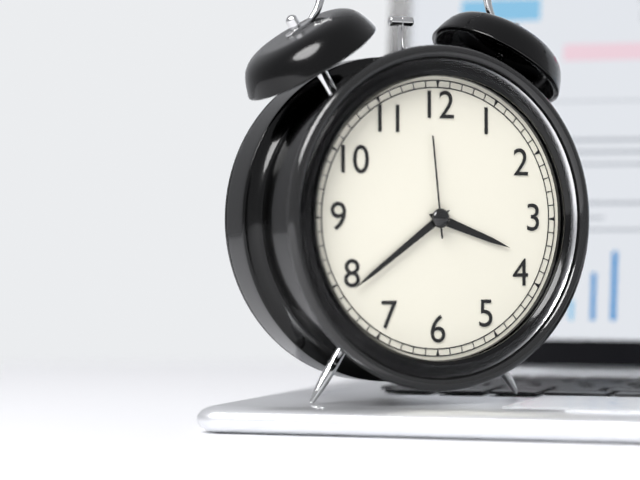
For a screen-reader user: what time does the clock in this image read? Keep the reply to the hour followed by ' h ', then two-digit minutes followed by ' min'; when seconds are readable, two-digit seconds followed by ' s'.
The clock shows 3 h 39 min 59 s
